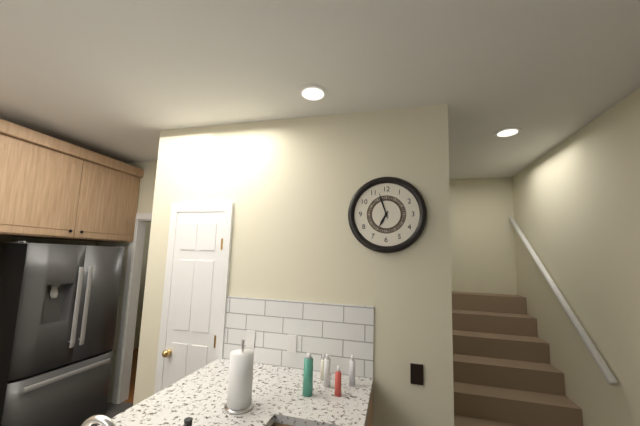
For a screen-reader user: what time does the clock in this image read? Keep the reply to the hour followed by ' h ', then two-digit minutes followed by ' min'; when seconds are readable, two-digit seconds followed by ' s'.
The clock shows 6 h 57 min
